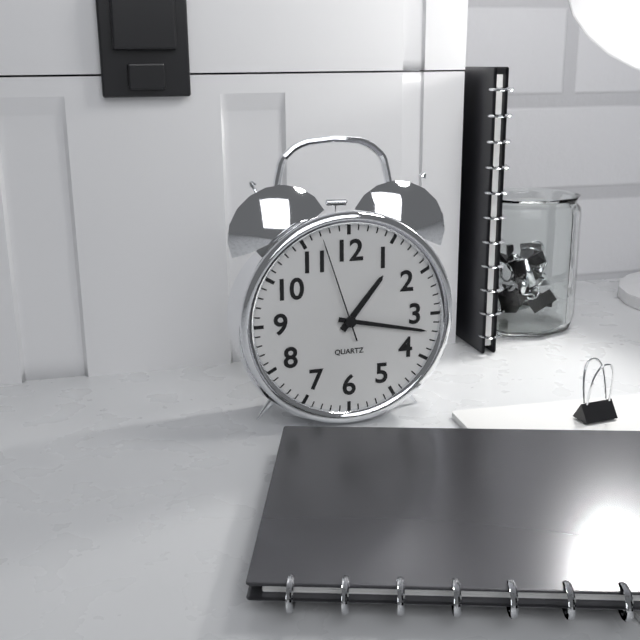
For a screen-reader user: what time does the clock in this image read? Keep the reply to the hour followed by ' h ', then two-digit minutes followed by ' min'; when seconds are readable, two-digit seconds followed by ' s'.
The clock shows 1 h 17 min 57 s
